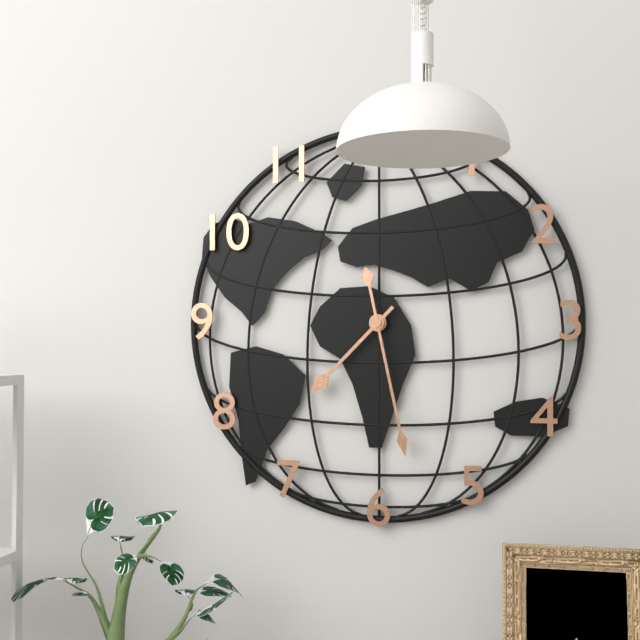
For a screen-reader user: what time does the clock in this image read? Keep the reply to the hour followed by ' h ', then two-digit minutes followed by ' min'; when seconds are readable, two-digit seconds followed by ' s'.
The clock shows 7 h 28 min
